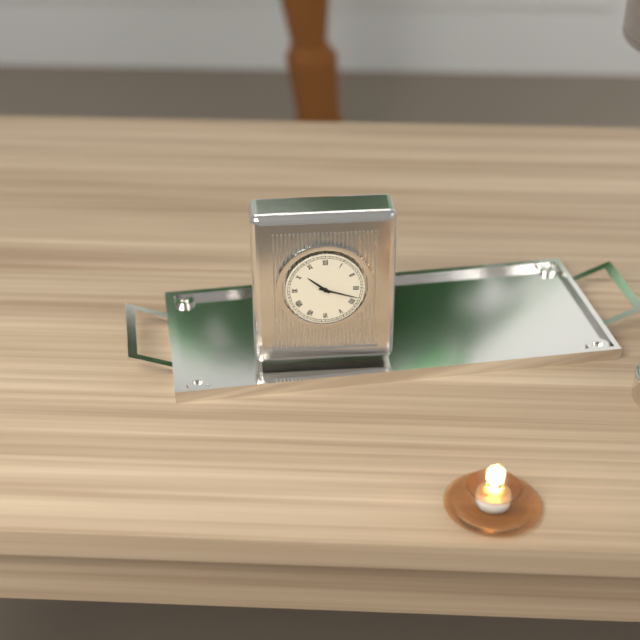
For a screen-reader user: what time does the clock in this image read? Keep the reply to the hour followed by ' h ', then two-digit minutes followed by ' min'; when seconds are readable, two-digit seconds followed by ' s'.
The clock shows 10 h 18 min
